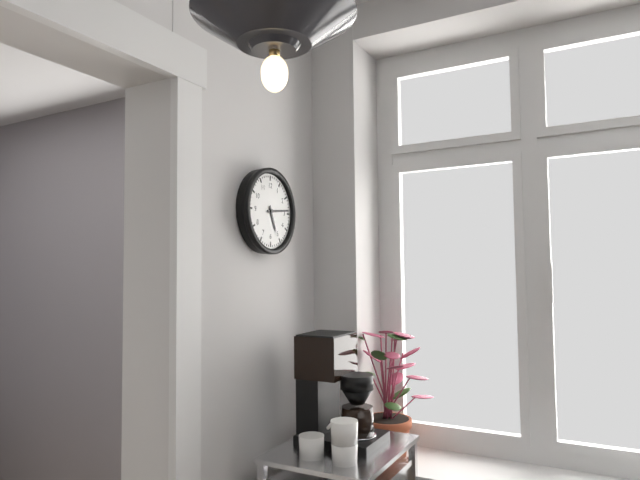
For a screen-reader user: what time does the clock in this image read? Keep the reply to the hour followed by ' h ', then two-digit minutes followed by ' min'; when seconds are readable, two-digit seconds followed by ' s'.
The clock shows 5 h 14 min
